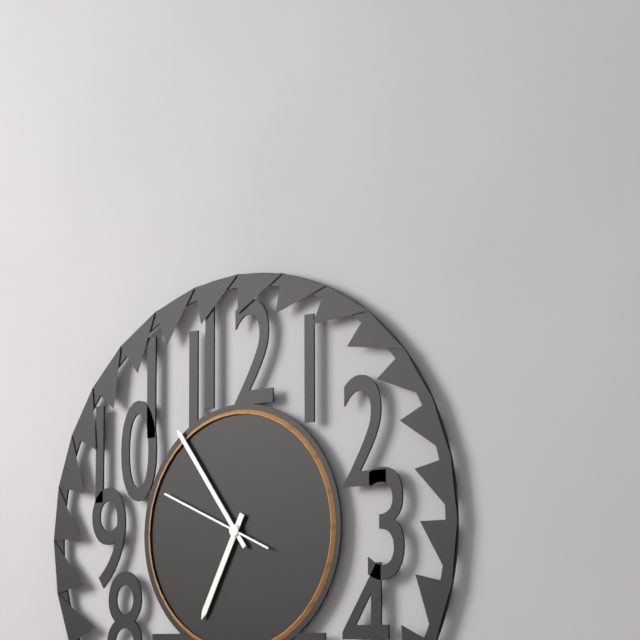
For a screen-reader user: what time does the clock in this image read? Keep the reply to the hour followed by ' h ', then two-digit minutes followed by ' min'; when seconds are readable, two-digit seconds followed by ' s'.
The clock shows 6 h 54 min 49 s
